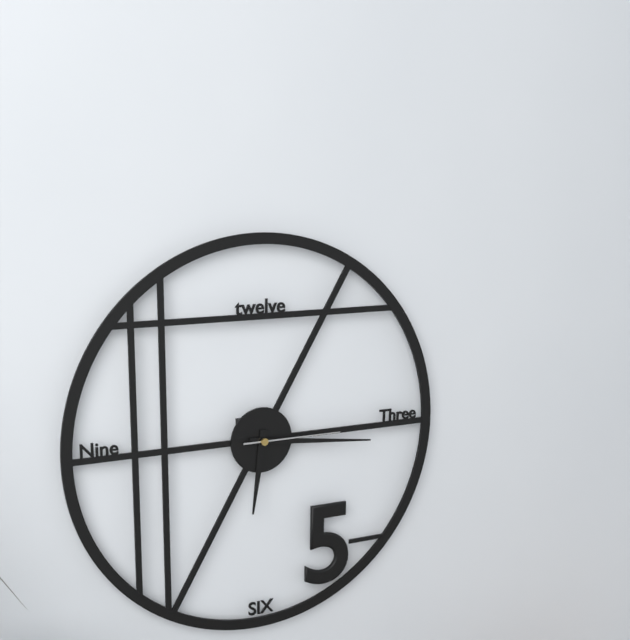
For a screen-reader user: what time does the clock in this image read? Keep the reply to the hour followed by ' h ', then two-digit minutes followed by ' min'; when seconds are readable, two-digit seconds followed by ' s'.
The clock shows 6 h 16 min 15 s
